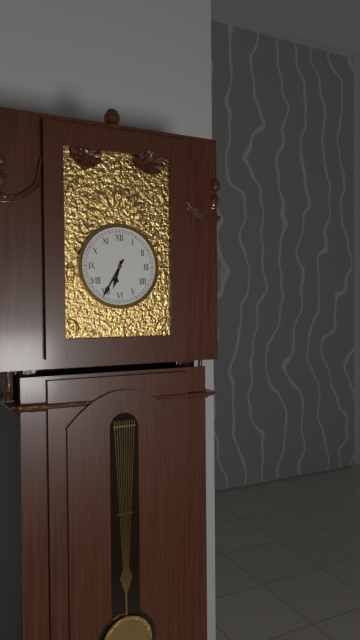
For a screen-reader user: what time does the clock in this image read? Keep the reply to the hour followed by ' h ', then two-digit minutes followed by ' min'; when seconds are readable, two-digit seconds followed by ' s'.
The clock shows 6 h 35 min
